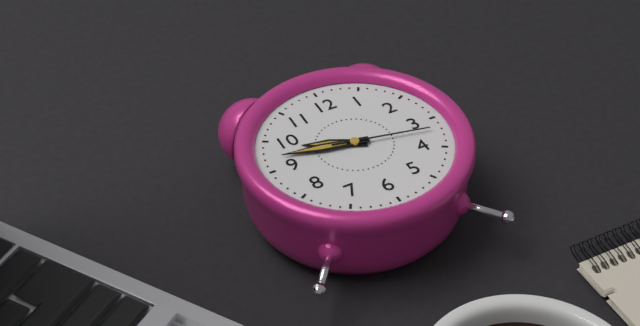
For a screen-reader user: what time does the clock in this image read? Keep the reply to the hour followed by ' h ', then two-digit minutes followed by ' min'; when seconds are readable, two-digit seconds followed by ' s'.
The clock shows 9 h 47 min 17 s
